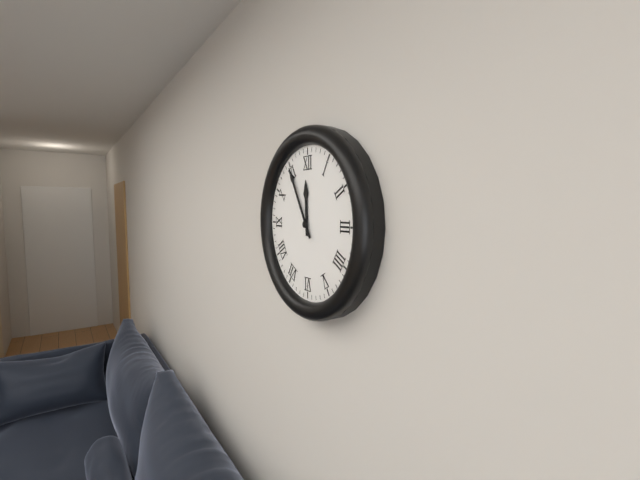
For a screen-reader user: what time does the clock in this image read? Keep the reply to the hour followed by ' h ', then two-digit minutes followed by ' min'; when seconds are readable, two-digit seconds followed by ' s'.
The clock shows 11 h 55 min
